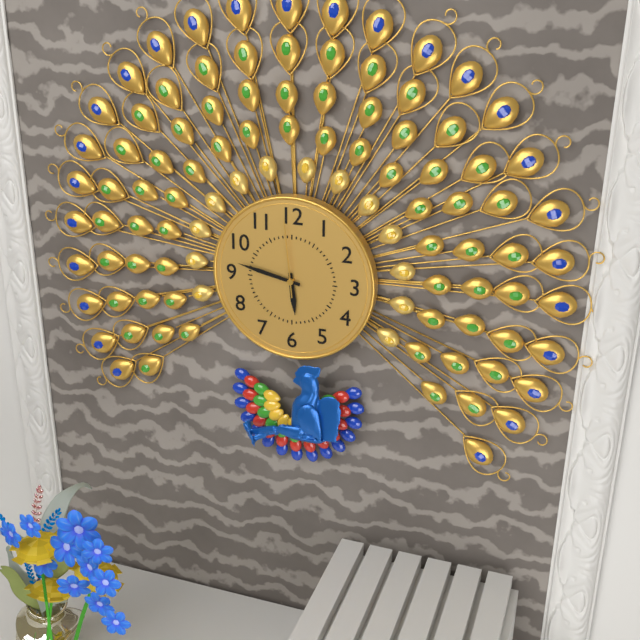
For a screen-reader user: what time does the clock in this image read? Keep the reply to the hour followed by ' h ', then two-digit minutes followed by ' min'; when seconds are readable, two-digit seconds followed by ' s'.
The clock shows 5 h 47 min 59 s
